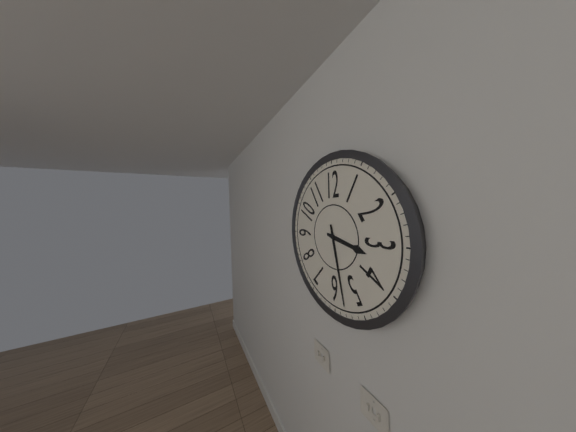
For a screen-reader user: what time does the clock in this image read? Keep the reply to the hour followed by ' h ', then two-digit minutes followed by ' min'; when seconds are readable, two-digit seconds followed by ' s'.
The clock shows 3 h 28 min
